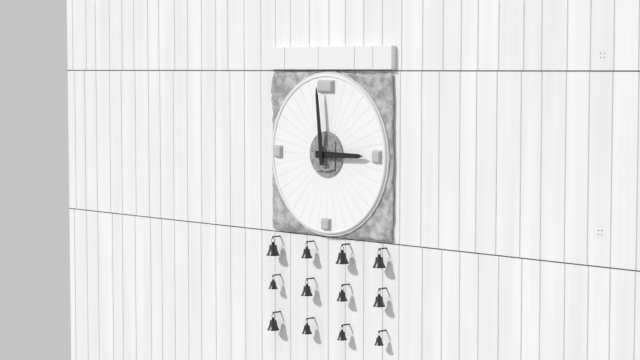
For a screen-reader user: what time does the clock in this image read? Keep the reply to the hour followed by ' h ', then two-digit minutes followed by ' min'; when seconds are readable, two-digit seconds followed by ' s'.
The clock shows 2 h 59 min
